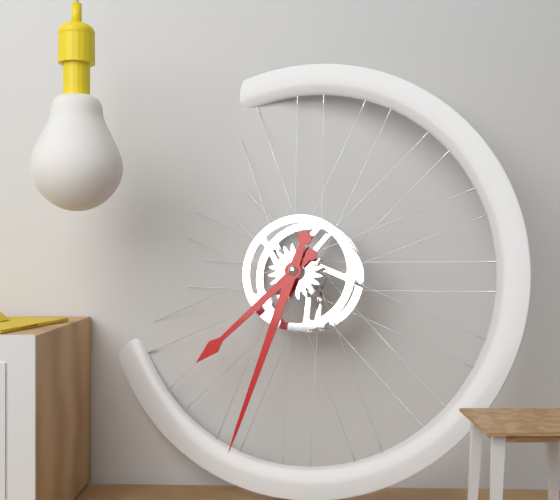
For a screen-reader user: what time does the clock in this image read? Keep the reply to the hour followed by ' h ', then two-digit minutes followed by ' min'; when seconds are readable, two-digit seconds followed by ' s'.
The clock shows 7 h 33 min
